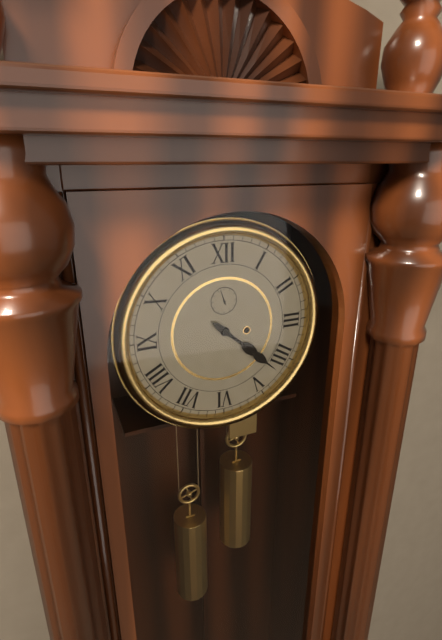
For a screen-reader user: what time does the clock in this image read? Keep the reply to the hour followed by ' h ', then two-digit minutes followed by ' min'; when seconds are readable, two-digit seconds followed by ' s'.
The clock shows 4 h 22 min
